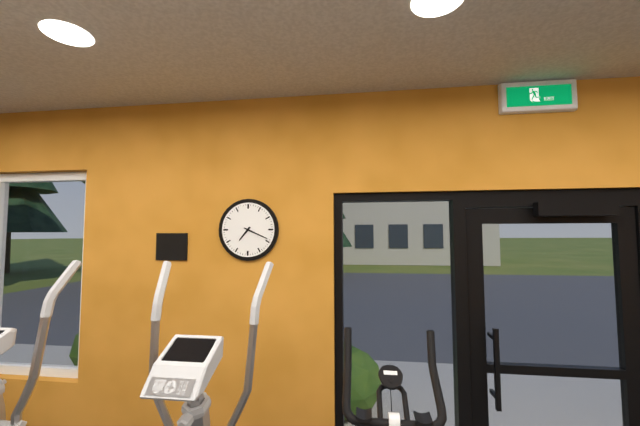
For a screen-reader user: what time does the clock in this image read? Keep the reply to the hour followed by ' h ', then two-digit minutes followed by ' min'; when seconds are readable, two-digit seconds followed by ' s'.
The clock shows 7 h 19 min
